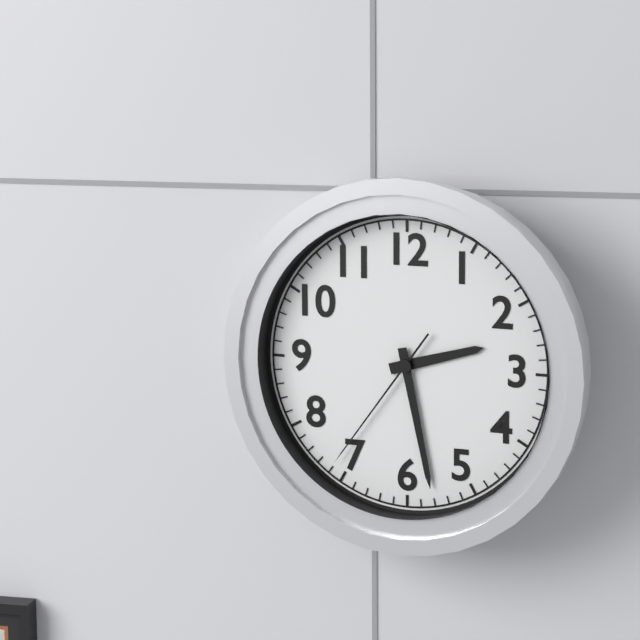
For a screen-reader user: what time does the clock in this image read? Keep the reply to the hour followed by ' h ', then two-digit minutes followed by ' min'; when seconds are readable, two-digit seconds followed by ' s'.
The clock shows 2 h 28 min 36 s
